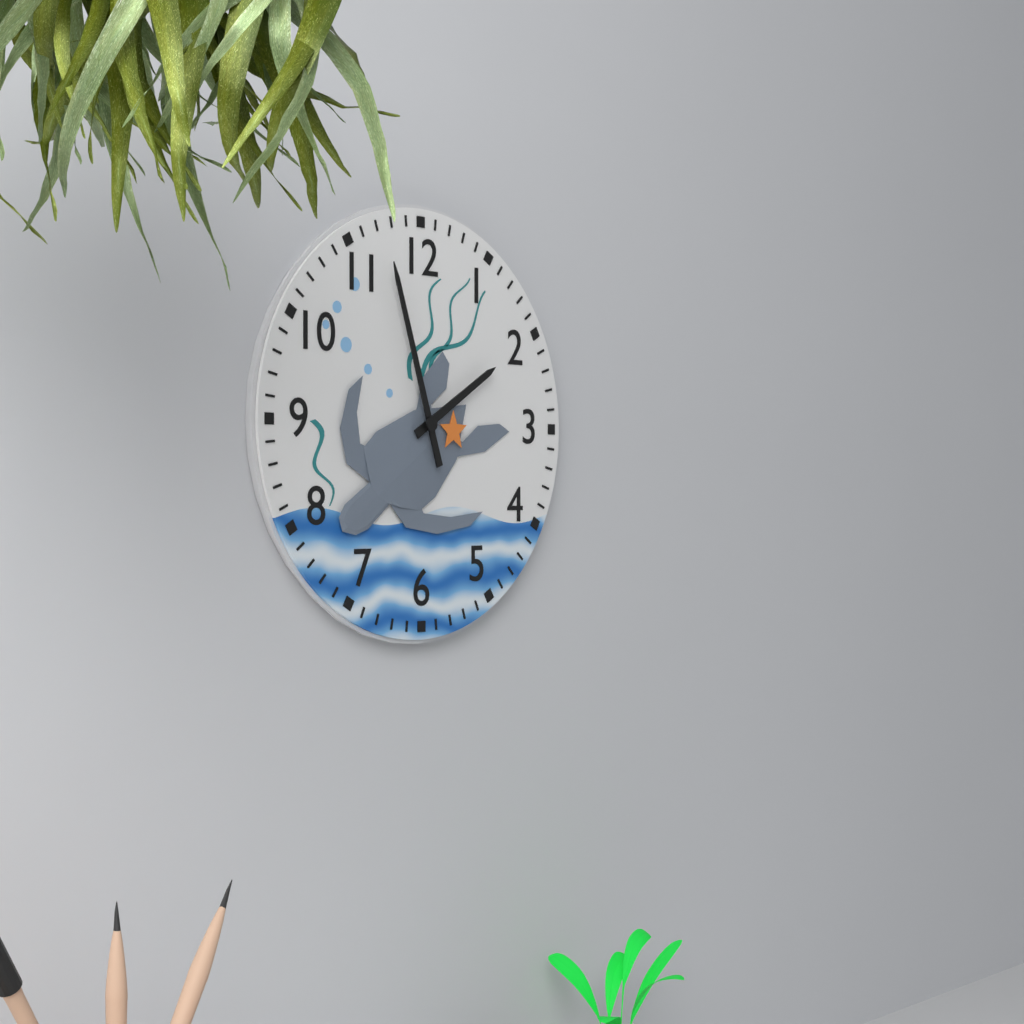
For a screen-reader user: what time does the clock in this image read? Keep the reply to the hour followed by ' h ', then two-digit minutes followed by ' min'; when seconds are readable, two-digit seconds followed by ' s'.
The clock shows 1 h 57 min
